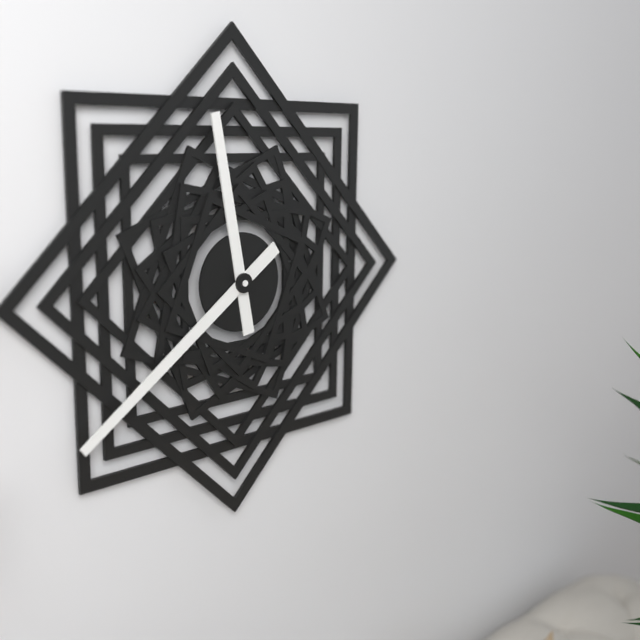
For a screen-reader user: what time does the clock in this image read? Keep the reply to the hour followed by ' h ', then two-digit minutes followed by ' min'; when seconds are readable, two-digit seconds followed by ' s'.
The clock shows 11 h 39 min
